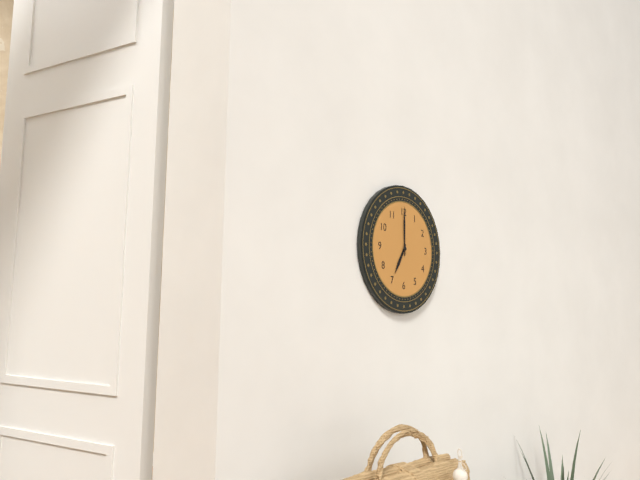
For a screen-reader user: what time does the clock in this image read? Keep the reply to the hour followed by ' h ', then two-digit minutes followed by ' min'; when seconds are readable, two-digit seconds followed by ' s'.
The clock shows 7 h 00 min
